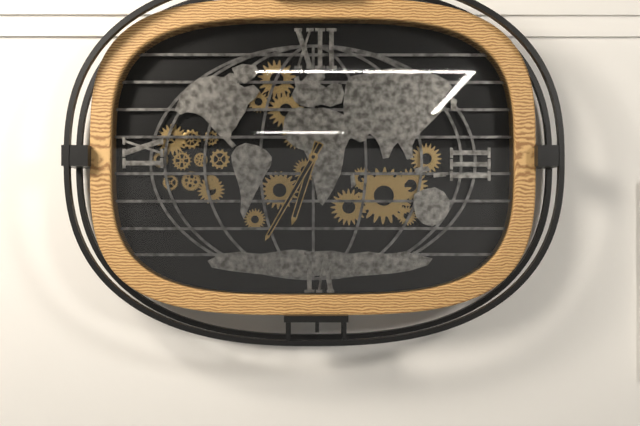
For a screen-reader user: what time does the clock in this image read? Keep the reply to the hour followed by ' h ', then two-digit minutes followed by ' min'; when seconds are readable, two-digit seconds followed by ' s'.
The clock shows 6 h 35 min
